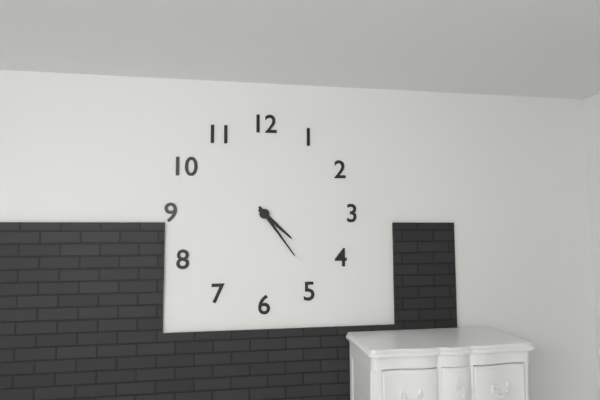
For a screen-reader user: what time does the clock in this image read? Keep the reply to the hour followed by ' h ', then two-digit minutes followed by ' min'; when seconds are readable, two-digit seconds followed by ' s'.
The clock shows 4 h 24 min
